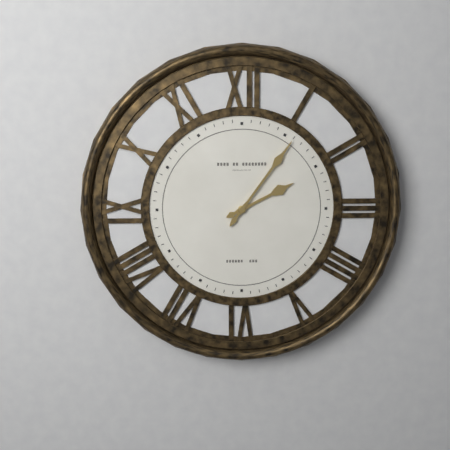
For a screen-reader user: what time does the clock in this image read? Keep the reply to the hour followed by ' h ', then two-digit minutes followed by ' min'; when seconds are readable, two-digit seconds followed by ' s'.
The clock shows 2 h 06 min
